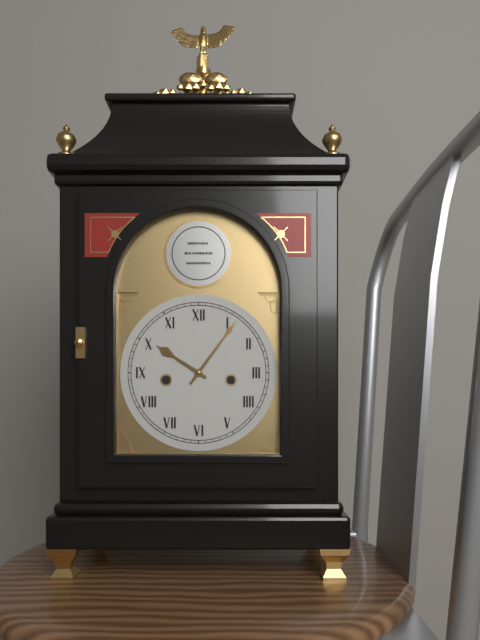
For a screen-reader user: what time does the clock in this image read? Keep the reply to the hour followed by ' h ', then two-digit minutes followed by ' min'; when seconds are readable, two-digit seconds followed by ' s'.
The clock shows 10 h 06 min
